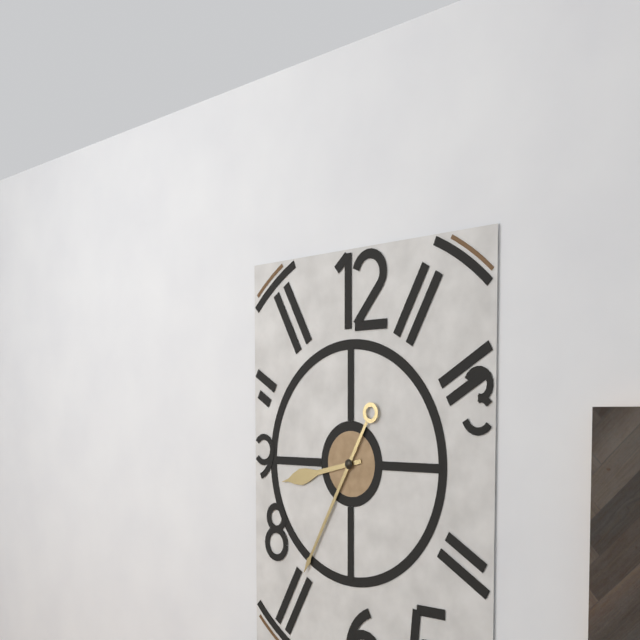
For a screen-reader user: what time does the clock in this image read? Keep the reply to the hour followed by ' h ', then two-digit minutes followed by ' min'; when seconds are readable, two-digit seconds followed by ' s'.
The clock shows 8 h 35 min
